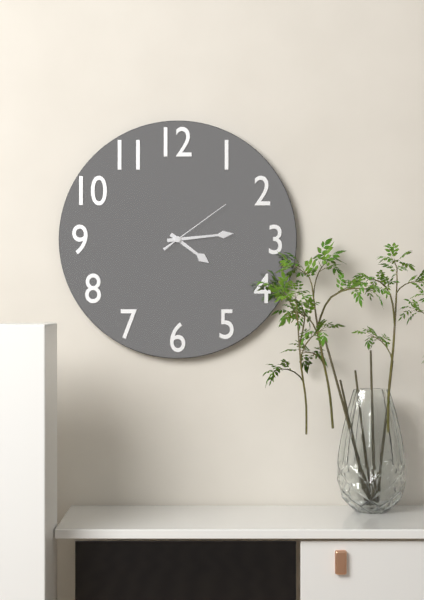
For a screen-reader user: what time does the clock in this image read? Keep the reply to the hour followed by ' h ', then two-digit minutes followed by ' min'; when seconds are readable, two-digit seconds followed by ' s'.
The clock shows 4 h 14 min 09 s
